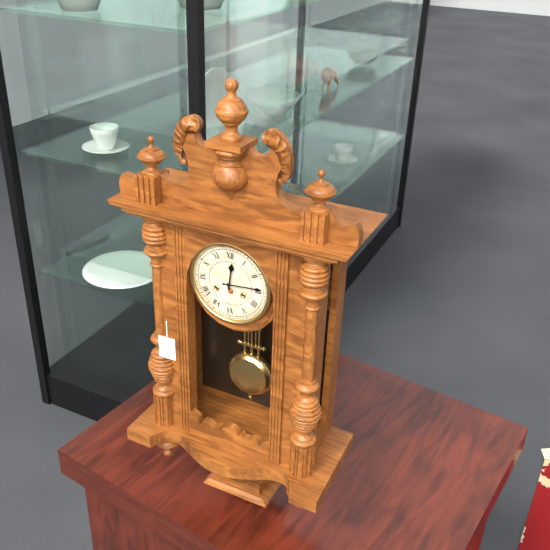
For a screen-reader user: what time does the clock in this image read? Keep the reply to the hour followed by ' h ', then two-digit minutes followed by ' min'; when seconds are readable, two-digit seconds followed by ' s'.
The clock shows 12 h 14 min
